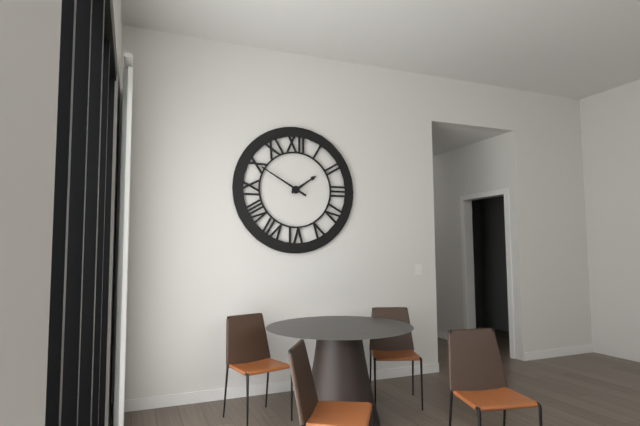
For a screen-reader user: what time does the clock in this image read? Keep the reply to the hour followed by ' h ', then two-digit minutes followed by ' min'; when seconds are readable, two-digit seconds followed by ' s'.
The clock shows 1 h 50 min
